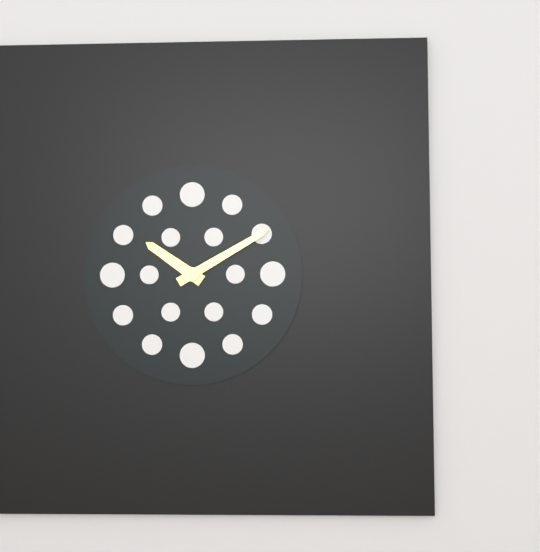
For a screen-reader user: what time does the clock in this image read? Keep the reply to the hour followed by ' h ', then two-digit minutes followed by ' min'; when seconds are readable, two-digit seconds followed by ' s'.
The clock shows 10 h 10 min
